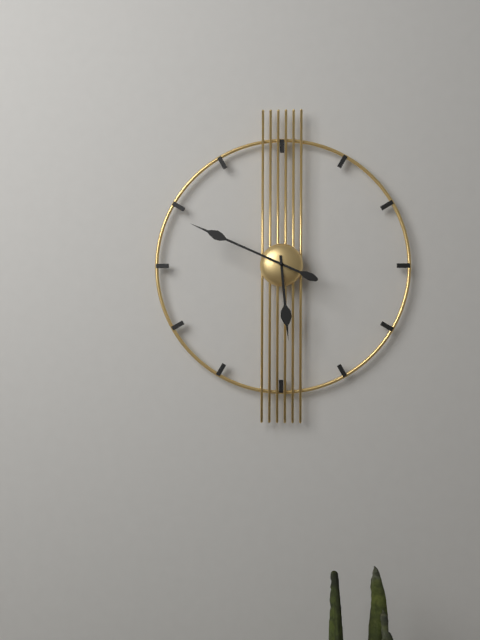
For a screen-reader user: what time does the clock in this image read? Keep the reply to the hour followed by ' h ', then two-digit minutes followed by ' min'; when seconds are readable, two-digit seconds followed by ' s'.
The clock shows 5 h 49 min
